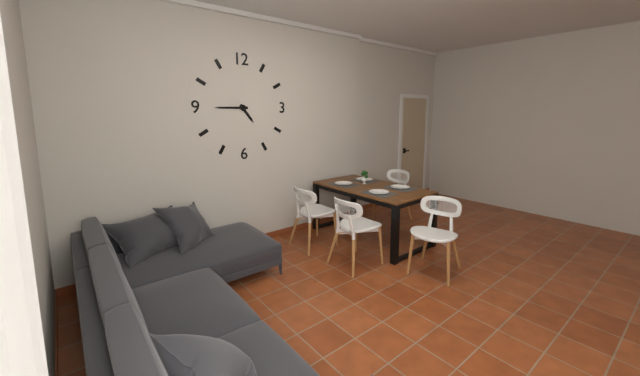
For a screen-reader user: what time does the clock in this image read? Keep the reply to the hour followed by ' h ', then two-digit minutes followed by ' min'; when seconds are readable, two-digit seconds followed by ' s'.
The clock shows 4 h 45 min
